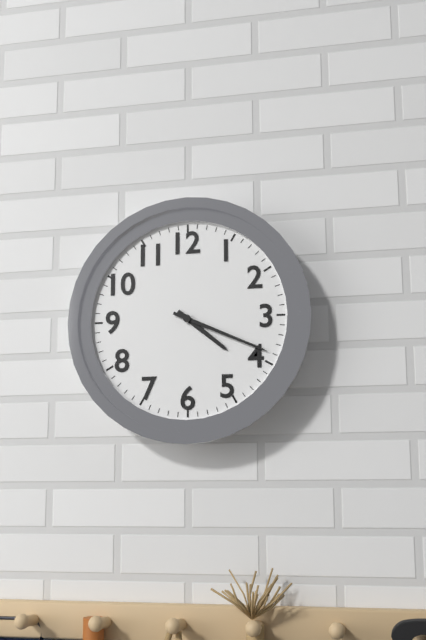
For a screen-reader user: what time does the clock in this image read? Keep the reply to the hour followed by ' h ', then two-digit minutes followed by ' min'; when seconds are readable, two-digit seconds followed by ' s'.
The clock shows 4 h 19 min
